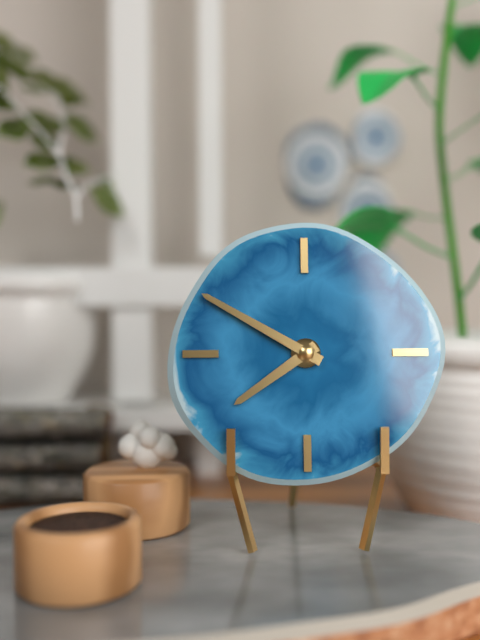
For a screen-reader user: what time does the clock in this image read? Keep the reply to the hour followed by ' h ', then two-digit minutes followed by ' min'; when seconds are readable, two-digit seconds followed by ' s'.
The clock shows 7 h 50 min
